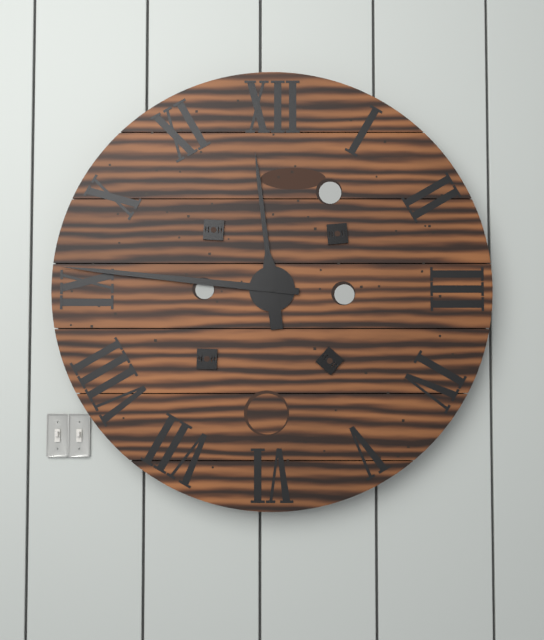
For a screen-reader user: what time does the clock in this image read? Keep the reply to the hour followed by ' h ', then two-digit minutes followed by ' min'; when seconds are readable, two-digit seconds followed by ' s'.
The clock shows 11 h 46 min
